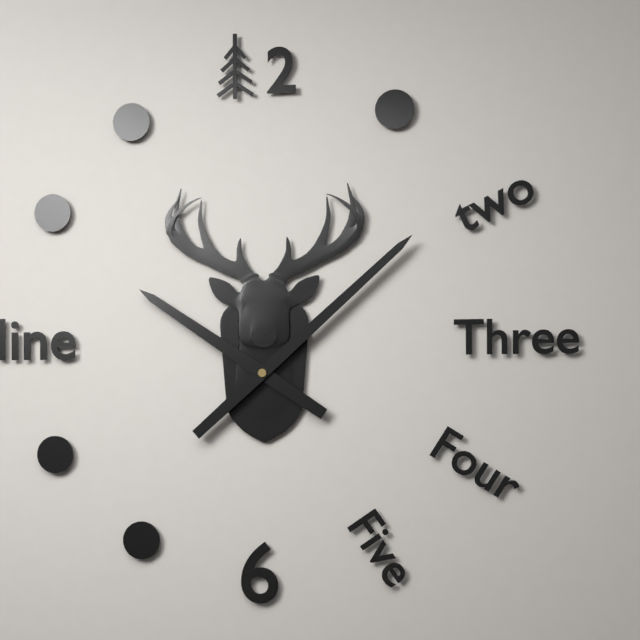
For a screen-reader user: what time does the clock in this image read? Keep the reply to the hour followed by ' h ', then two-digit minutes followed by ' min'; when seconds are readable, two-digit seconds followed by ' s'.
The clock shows 10 h 08 min
